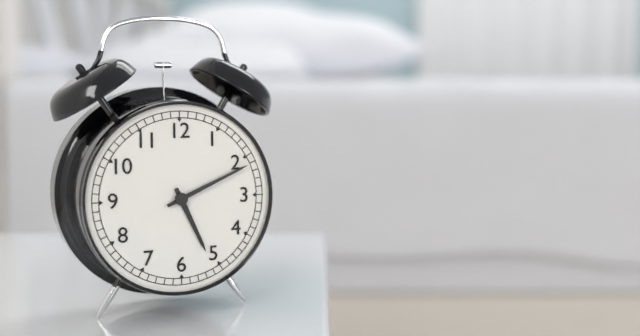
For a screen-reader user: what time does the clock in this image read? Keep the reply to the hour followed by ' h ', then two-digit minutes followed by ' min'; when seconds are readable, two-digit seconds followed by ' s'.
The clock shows 5 h 11 min
